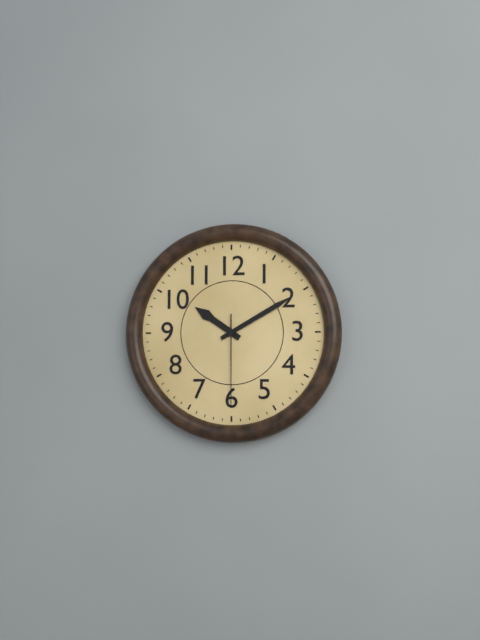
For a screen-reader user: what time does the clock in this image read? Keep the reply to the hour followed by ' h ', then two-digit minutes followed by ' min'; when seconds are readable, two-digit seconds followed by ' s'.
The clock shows 10 h 10 min 30 s
